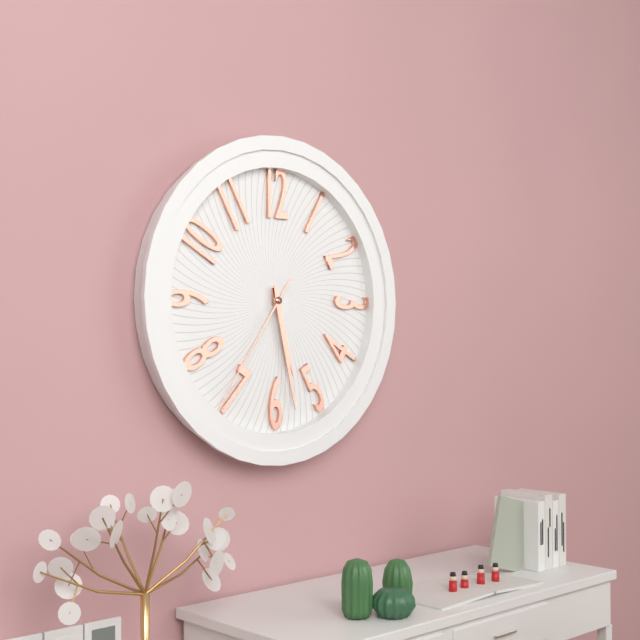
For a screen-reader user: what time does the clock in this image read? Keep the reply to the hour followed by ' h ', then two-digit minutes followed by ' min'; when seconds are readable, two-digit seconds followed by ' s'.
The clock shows 5 h 28 min 36 s
